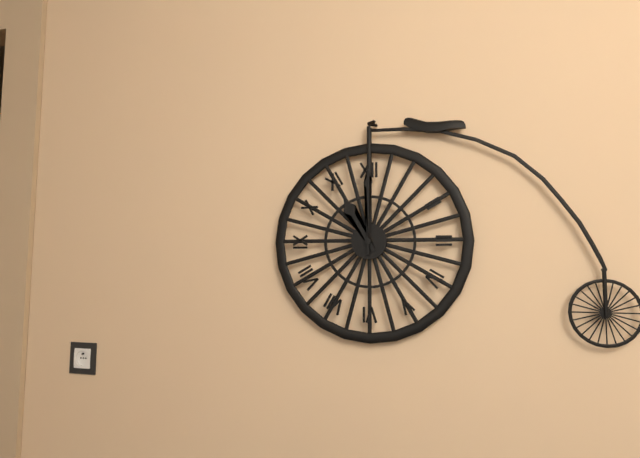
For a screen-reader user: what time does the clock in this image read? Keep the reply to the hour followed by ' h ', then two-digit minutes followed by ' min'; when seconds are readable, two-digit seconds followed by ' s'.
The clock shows 11 h 00 min
